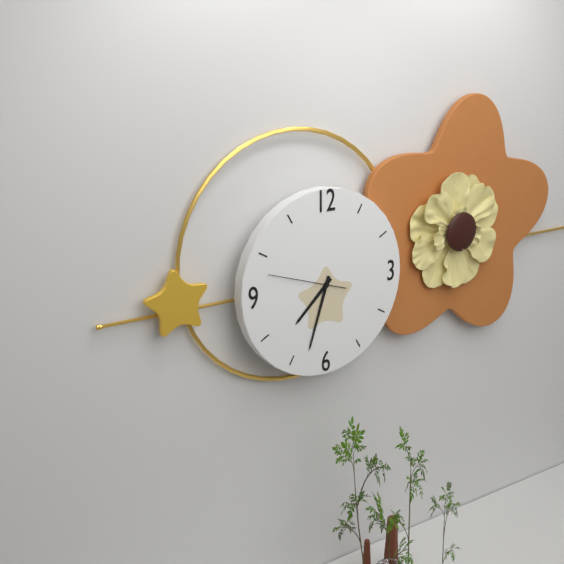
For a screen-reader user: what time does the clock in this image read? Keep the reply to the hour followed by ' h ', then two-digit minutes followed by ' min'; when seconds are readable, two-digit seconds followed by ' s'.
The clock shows 7 h 33 min 48 s
